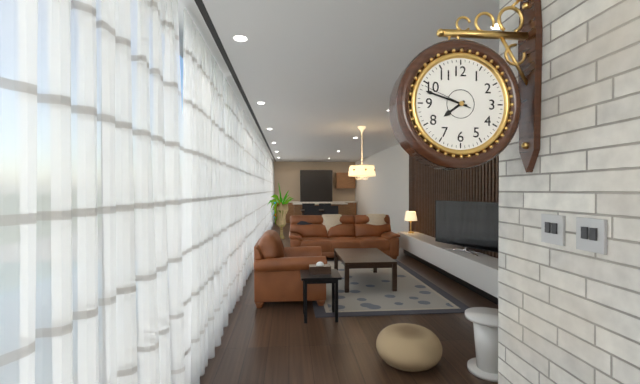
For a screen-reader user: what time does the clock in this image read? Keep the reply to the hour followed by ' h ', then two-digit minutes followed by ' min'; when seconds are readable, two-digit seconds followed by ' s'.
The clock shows 7 h 48 min 49 s
